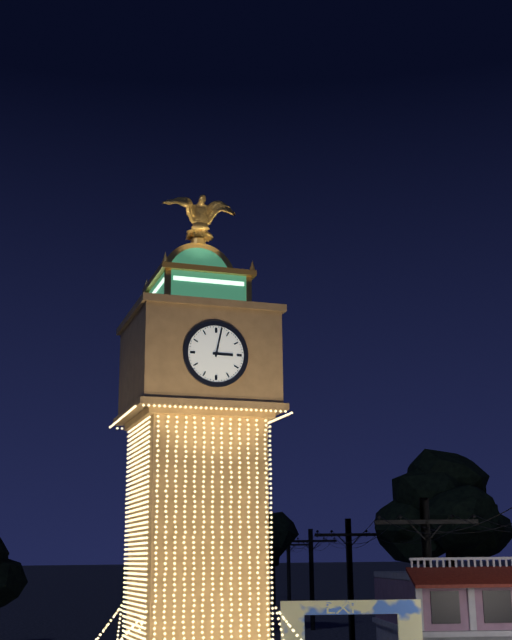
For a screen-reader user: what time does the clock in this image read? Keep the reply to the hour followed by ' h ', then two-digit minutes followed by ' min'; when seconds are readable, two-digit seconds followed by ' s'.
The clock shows 3 h 02 min
